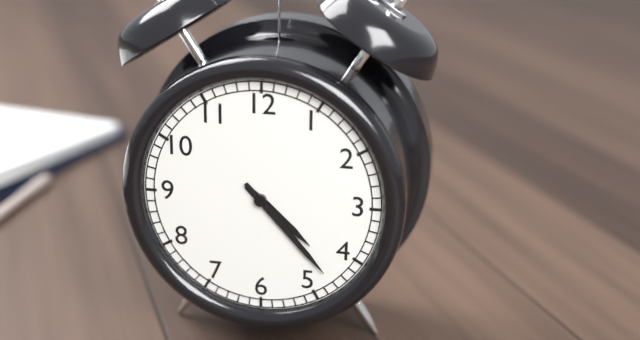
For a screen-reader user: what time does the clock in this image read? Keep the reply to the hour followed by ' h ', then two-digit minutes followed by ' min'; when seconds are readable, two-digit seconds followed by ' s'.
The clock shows 4 h 23 min
